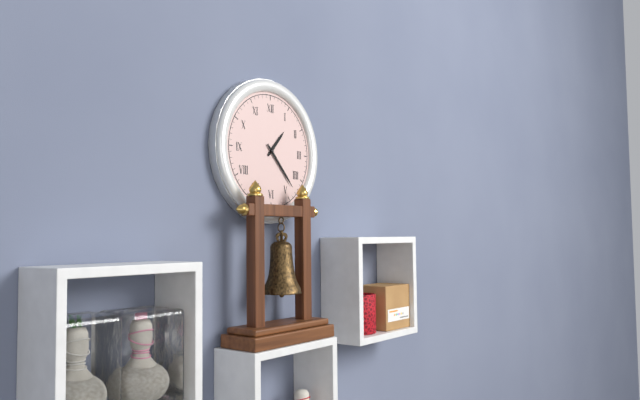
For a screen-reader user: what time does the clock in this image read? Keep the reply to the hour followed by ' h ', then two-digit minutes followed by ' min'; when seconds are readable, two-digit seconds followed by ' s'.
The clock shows 1 h 23 min
